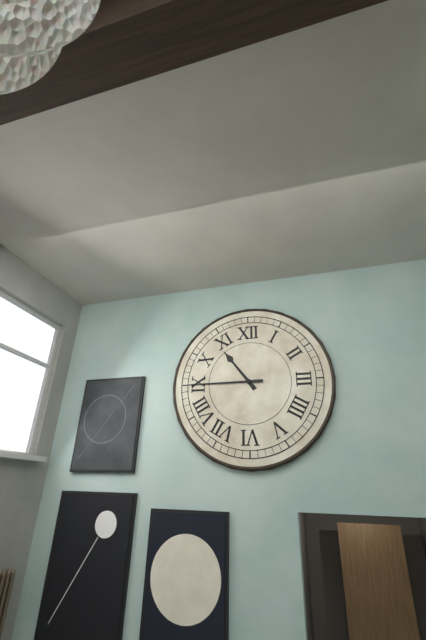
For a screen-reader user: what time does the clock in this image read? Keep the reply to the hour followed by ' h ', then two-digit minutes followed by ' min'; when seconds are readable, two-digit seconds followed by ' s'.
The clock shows 10 h 45 min
